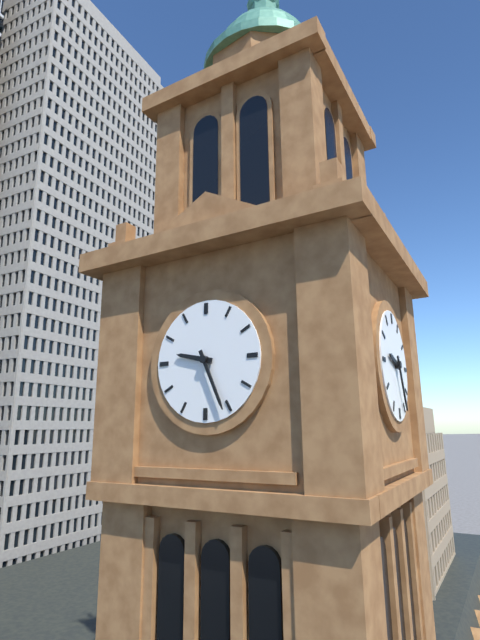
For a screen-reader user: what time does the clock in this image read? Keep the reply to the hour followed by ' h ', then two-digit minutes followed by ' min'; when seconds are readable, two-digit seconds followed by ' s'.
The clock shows 9 h 26 min
